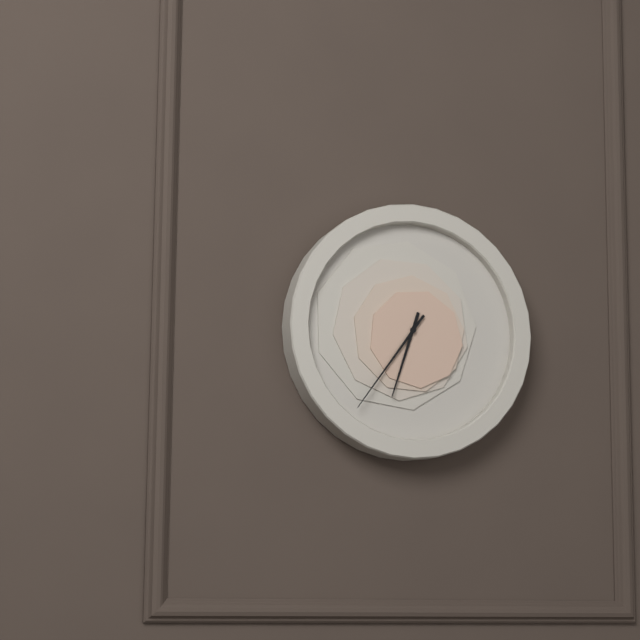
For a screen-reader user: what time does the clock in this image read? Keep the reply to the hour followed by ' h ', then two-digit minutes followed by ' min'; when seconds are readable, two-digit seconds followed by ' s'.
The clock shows 6 h 36 min
